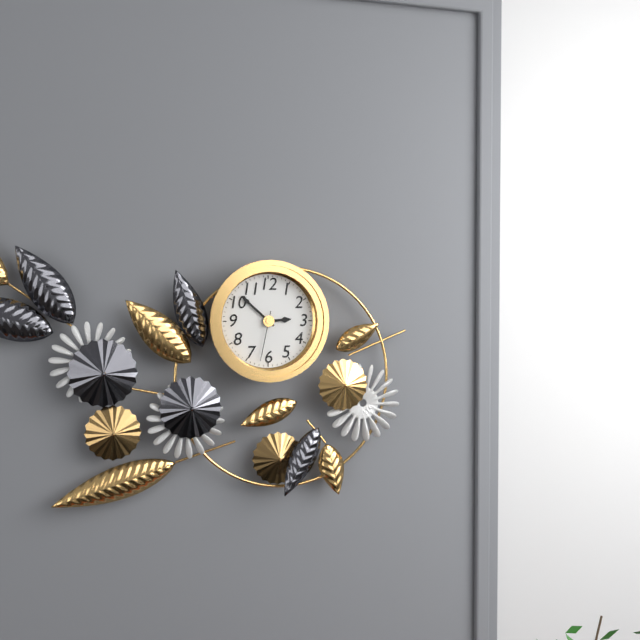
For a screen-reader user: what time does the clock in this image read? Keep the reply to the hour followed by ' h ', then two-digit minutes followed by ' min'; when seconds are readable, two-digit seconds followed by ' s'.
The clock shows 2 h 52 min 32 s
